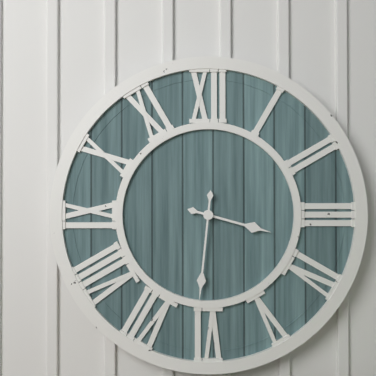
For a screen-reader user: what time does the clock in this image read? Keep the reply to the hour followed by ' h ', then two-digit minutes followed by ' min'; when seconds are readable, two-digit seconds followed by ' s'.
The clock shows 3 h 31 min
